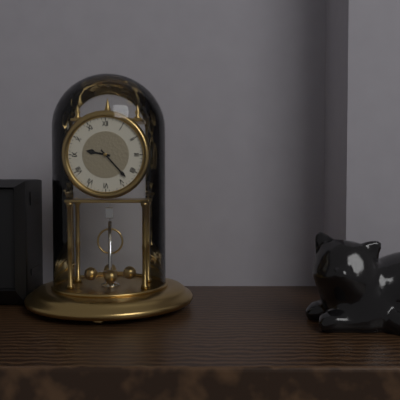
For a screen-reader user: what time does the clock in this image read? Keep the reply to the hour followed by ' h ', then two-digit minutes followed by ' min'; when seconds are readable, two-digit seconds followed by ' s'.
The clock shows 9 h 23 min
